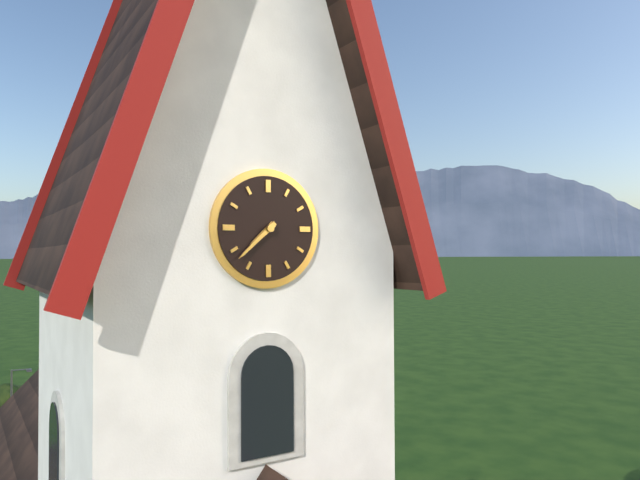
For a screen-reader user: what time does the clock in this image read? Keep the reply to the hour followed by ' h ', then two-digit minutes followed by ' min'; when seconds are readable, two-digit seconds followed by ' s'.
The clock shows 7 h 38 min
